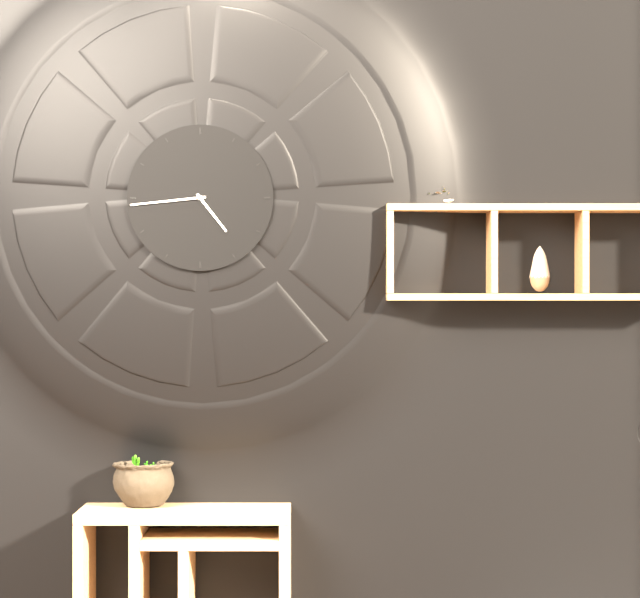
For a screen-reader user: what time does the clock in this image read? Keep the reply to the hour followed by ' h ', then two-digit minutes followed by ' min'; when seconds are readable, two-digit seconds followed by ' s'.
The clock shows 4 h 44 min
